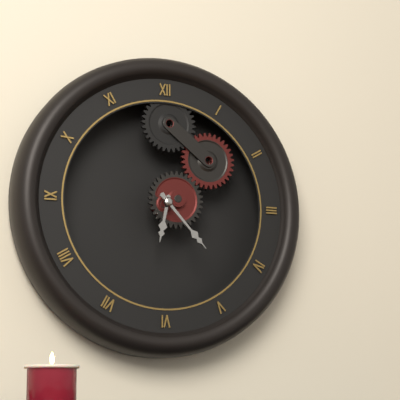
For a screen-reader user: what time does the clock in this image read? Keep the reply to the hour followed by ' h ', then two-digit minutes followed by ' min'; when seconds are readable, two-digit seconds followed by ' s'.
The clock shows 6 h 23 min
